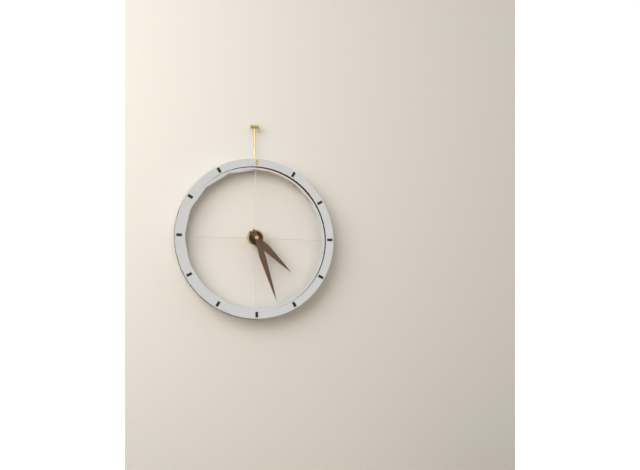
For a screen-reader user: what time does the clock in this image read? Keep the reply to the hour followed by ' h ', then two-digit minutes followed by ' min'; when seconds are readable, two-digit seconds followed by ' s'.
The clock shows 4 h 27 min
